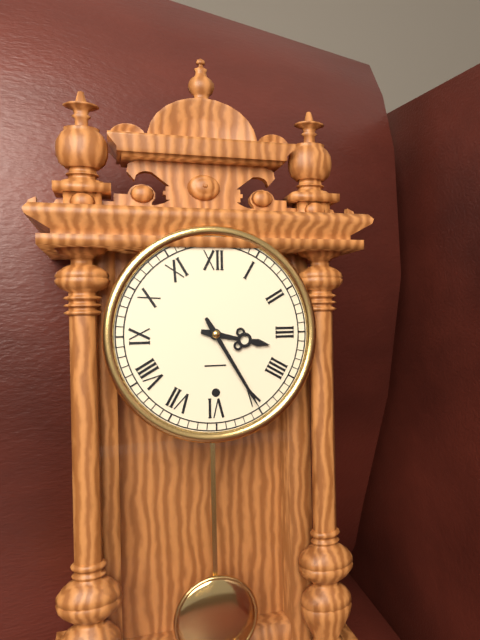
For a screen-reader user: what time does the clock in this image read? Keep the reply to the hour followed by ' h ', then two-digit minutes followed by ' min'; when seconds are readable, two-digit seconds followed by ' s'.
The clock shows 3 h 25 min
